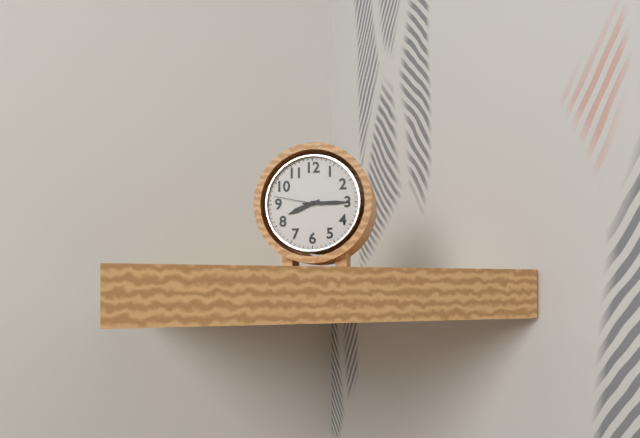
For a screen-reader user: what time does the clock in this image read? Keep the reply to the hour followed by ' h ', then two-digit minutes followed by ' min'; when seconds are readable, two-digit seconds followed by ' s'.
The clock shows 8 h 15 min
